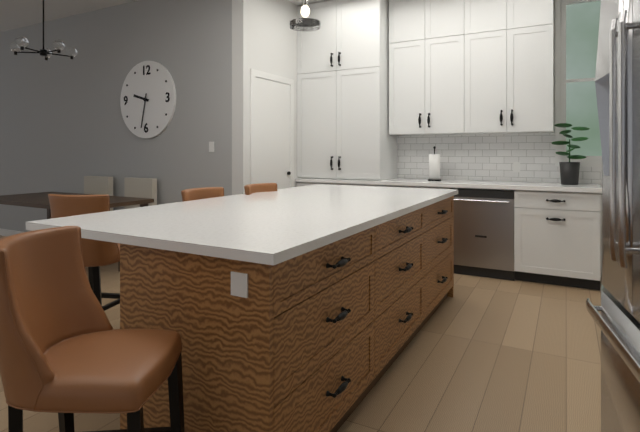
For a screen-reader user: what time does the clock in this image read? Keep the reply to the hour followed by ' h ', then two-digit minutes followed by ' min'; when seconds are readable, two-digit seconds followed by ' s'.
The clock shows 9 h 32 min
